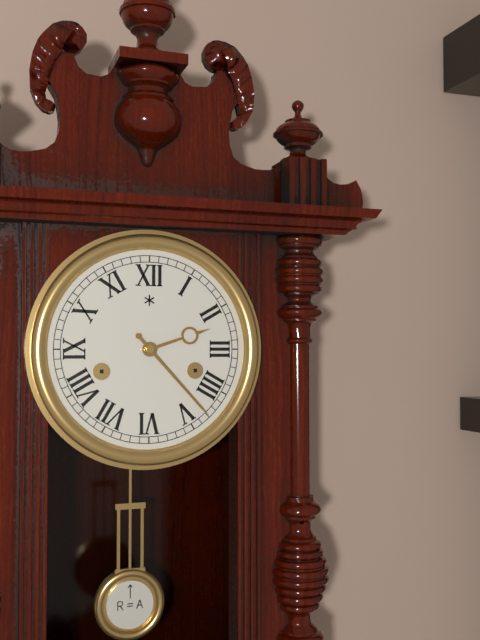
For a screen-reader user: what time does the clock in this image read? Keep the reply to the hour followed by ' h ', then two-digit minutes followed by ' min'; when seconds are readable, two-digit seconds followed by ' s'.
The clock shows 2 h 23 min
